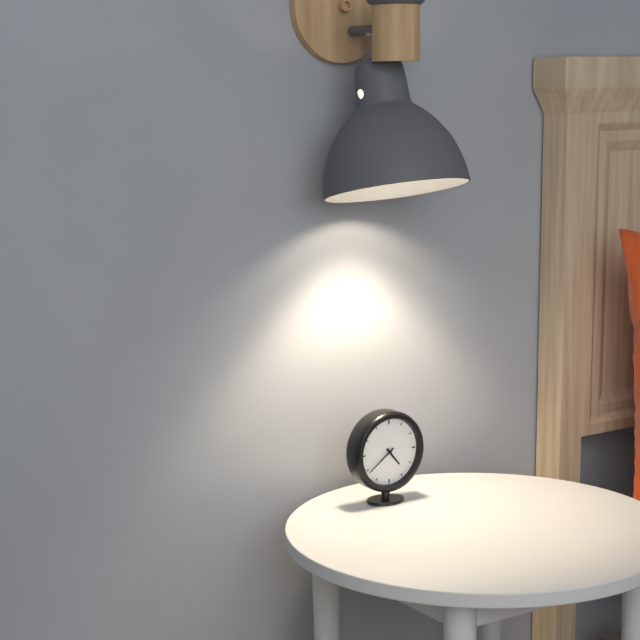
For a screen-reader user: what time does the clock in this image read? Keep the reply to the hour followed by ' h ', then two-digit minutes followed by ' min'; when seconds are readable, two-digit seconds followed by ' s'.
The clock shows 4 h 39 min
